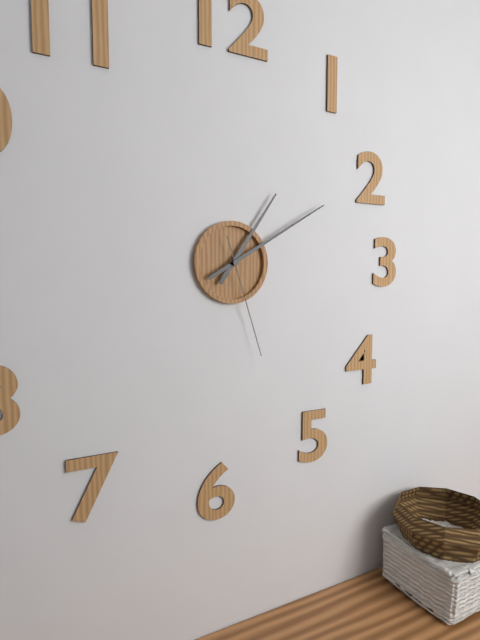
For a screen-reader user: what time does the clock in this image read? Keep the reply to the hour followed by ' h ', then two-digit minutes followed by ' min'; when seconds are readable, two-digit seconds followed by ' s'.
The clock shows 1 h 10 min 27 s
